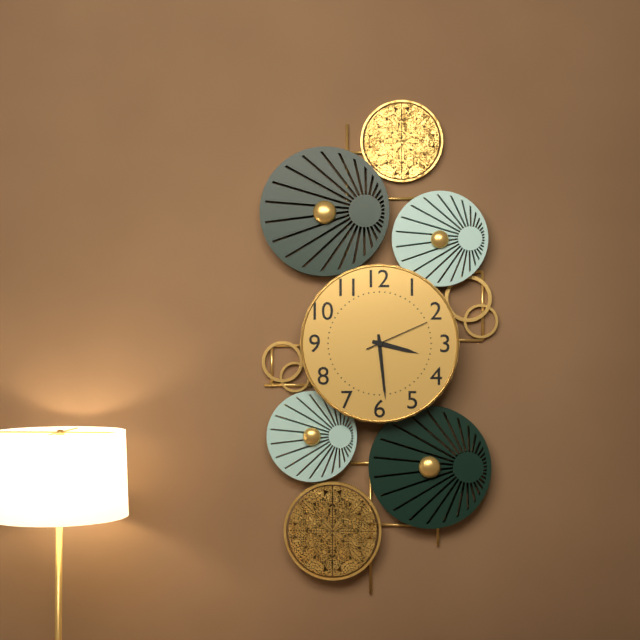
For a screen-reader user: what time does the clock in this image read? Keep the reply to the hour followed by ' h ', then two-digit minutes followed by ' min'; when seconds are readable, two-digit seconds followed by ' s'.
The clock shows 3 h 29 min 11 s
